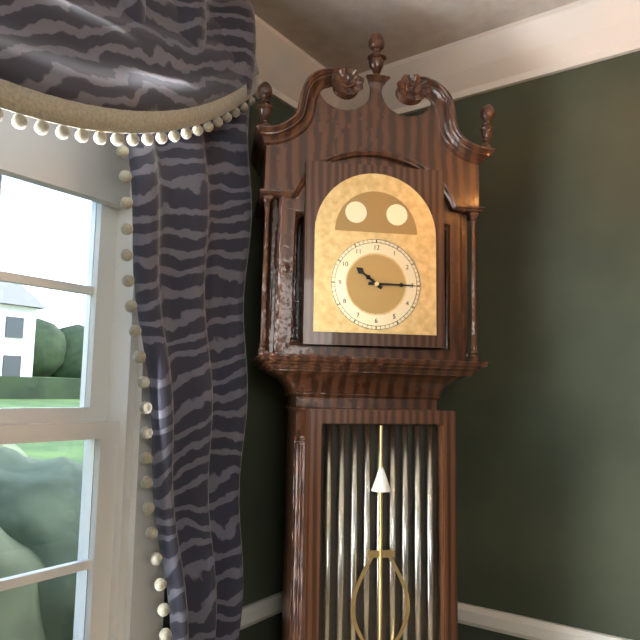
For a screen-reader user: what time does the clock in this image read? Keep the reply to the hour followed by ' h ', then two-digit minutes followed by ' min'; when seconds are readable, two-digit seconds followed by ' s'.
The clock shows 10 h 15 min
